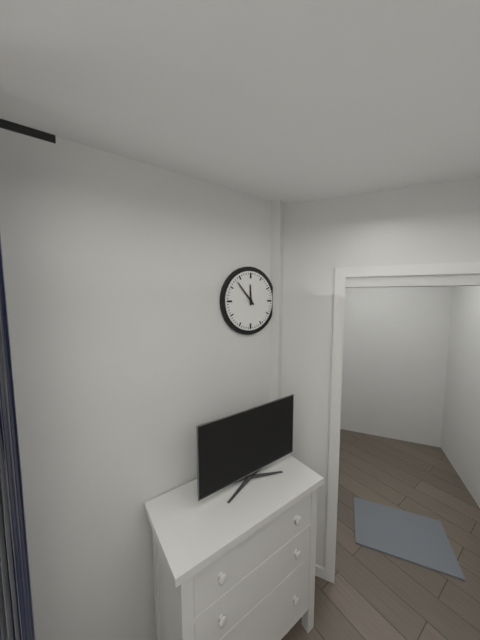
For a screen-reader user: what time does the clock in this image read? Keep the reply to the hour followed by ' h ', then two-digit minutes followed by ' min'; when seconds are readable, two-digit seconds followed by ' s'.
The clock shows 11 h 53 min
